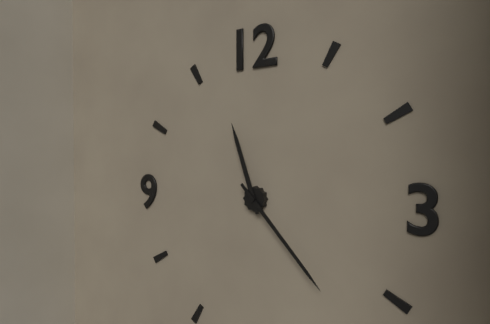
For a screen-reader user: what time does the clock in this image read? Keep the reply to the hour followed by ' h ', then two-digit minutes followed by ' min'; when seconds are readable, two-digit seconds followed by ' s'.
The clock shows 11 h 23 min
